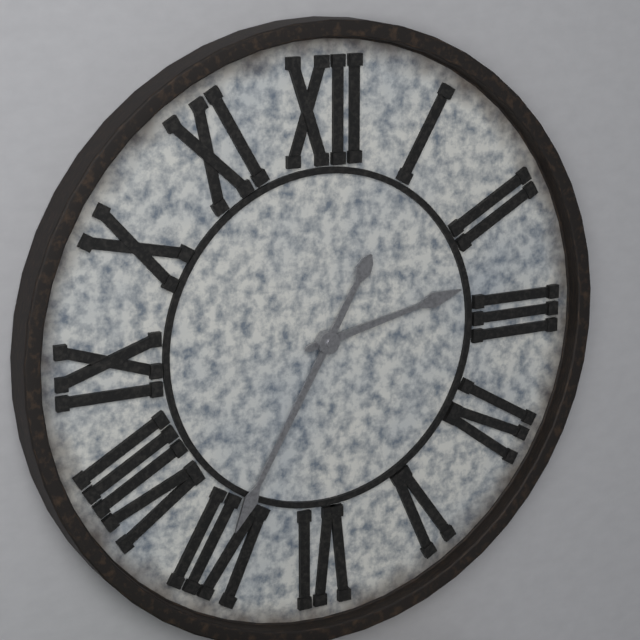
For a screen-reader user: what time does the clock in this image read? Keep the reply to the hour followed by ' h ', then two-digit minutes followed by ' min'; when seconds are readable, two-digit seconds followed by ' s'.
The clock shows 2 h 35 min
